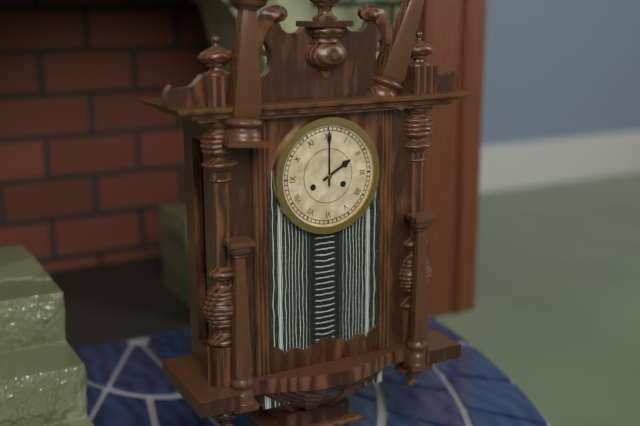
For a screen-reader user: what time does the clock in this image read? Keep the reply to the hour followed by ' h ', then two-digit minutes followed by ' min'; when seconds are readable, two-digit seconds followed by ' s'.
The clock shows 2 h 00 min
